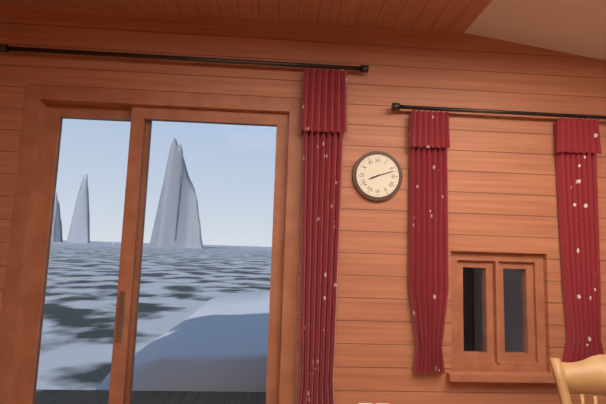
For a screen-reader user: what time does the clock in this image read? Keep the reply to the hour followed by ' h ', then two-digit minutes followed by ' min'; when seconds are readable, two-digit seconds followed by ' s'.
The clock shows 8 h 12 min
